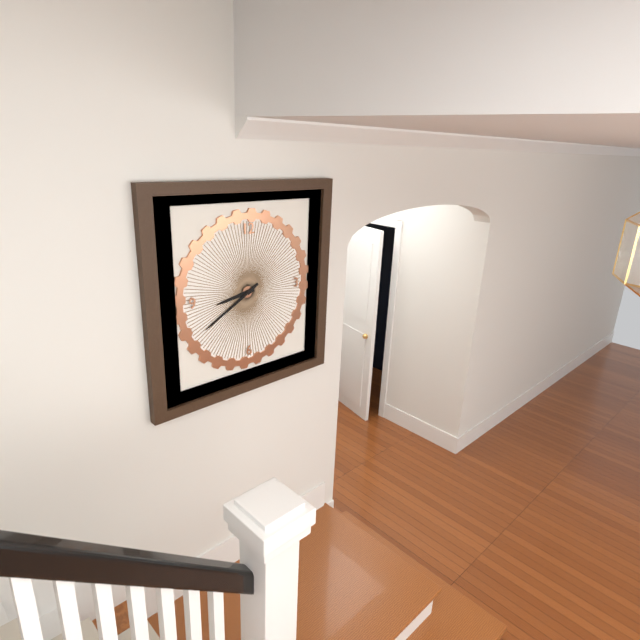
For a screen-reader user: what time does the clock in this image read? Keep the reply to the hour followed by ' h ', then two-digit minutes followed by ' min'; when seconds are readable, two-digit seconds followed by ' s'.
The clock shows 8 h 40 min
